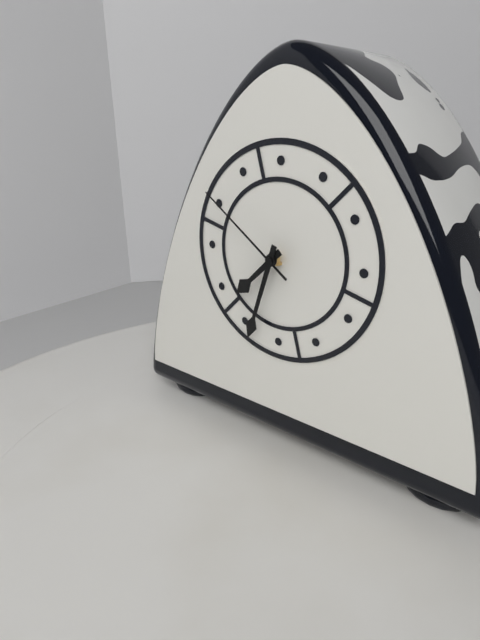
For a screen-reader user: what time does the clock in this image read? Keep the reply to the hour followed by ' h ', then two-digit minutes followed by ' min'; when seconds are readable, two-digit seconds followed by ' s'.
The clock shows 7 h 33 min 51 s
